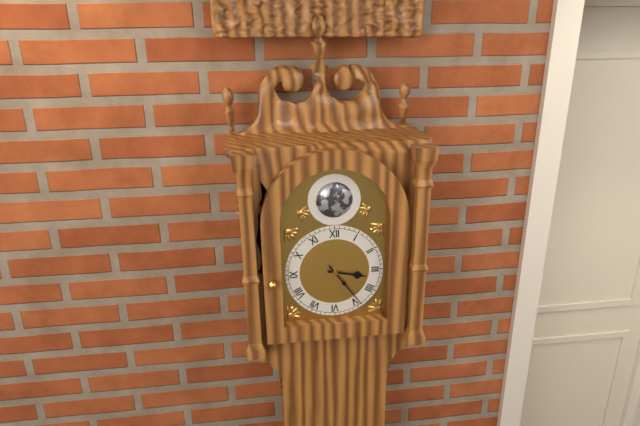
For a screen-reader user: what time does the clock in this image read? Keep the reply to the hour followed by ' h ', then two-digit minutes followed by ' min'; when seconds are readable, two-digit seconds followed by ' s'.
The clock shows 3 h 24 min
